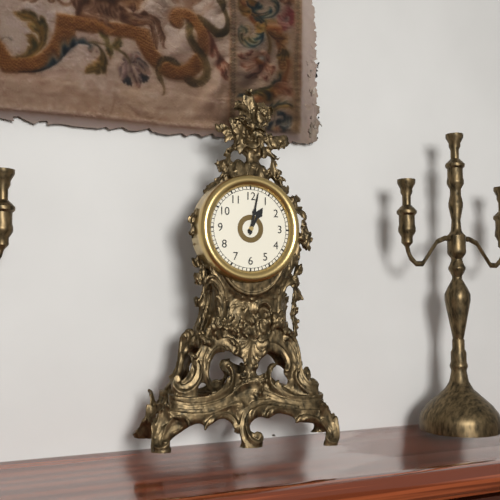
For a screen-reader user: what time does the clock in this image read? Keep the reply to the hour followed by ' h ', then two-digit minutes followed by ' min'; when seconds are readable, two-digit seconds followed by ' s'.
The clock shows 1 h 02 min
